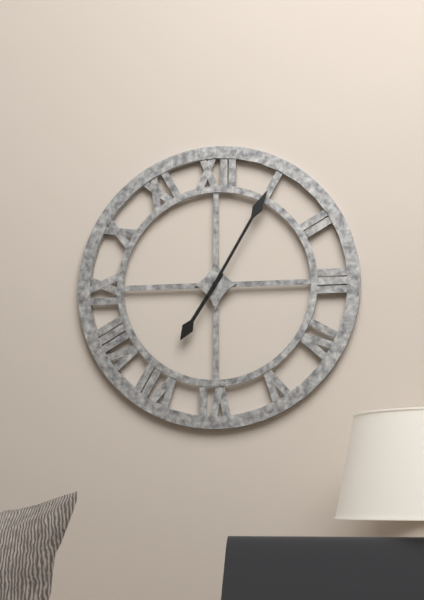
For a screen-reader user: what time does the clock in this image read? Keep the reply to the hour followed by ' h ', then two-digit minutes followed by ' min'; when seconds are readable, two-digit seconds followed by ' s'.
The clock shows 7 h 05 min
